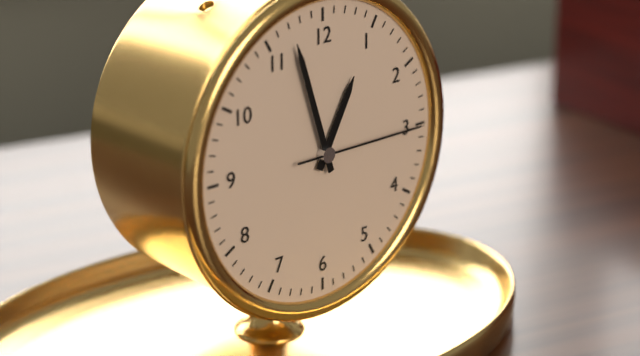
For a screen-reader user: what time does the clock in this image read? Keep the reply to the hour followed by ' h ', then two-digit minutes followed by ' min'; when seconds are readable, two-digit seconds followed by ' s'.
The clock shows 12 h 57 min 15 s
